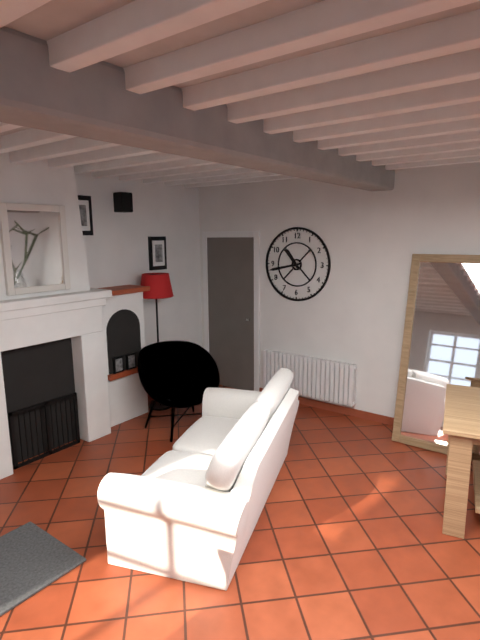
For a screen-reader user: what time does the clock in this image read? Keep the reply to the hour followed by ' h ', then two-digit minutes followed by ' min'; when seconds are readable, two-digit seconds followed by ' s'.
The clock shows 10 h 43 min
